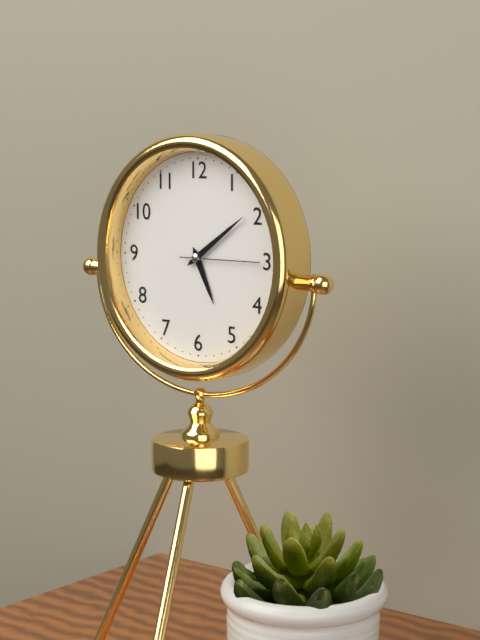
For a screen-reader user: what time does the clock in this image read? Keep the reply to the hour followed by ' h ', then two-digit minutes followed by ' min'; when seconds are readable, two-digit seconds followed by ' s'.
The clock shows 5 h 09 min 15 s
